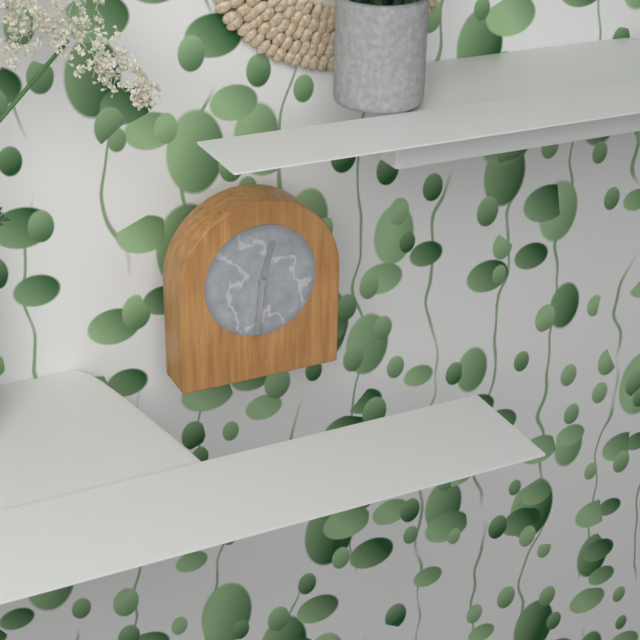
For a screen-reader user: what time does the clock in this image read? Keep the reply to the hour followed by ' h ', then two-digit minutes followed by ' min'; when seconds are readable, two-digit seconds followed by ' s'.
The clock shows 12 h 31 min
